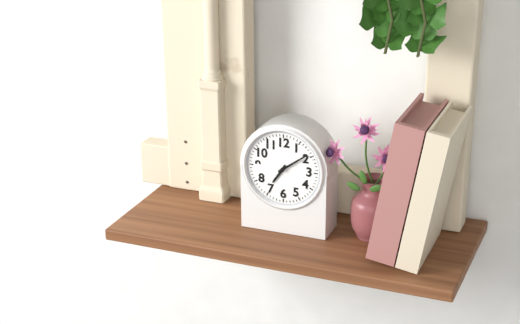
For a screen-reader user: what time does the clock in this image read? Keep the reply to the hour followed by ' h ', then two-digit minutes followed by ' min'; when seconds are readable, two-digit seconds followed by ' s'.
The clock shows 7 h 09 min
